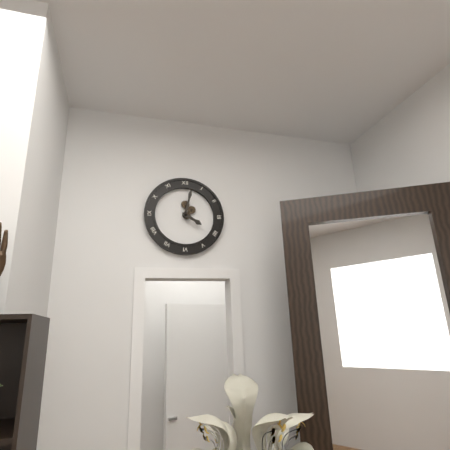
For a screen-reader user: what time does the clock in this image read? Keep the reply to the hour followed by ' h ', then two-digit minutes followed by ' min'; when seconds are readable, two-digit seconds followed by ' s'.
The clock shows 4 h 02 min
